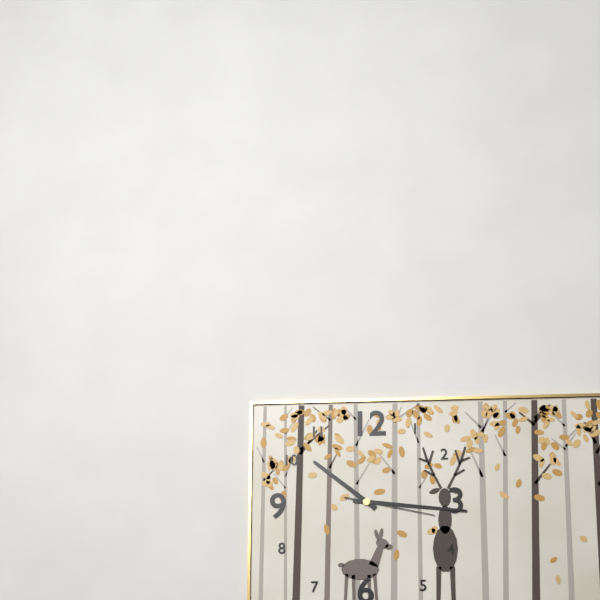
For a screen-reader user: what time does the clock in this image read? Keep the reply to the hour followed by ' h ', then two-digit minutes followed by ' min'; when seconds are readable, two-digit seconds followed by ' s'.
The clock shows 10 h 16 min 17 s
